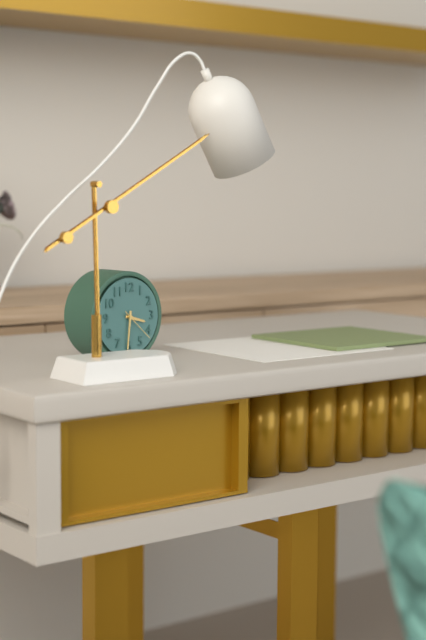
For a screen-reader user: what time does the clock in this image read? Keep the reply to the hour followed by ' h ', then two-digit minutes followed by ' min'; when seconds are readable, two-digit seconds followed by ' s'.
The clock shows 3 h 31 min
